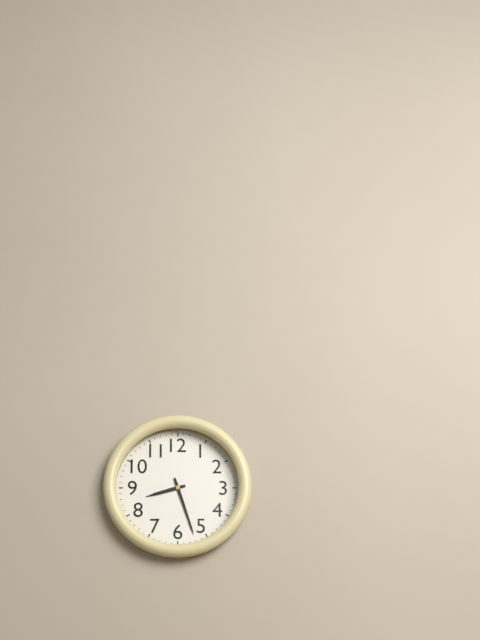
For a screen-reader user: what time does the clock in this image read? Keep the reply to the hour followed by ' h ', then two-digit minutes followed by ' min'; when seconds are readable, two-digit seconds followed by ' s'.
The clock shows 8 h 27 min
